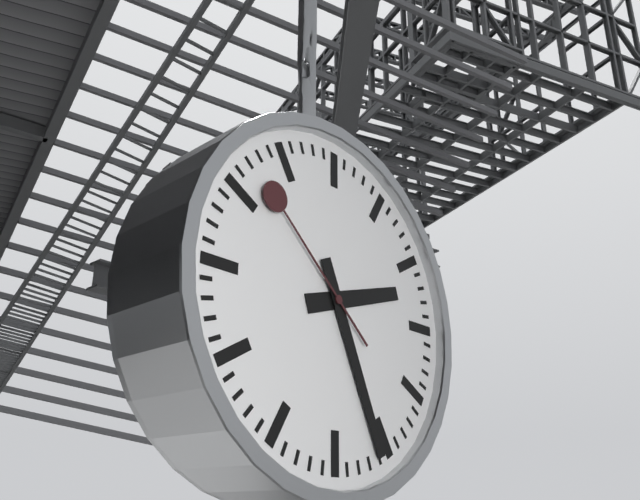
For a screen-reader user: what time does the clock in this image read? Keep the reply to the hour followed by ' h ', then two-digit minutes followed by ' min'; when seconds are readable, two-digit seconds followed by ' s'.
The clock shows 2 h 26 min 52 s
